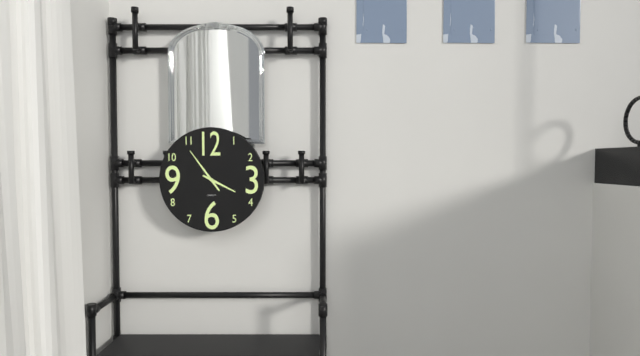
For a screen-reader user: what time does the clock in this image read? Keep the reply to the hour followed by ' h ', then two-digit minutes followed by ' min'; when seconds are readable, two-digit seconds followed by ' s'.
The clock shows 3 h 54 min
